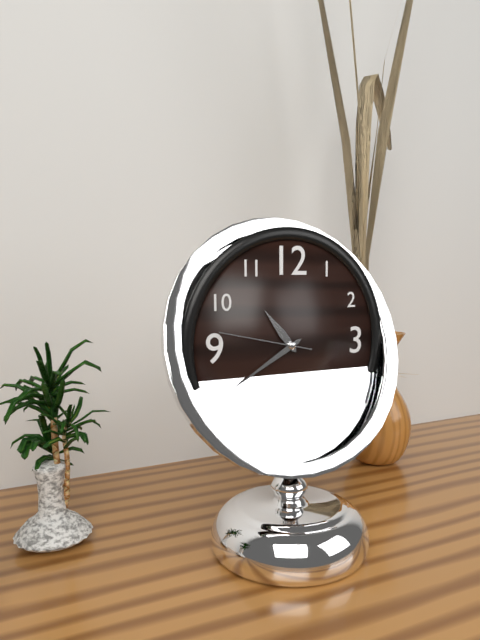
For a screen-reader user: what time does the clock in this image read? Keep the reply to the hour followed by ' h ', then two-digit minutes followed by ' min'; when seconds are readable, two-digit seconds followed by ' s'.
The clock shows 10 h 40 min 47 s
